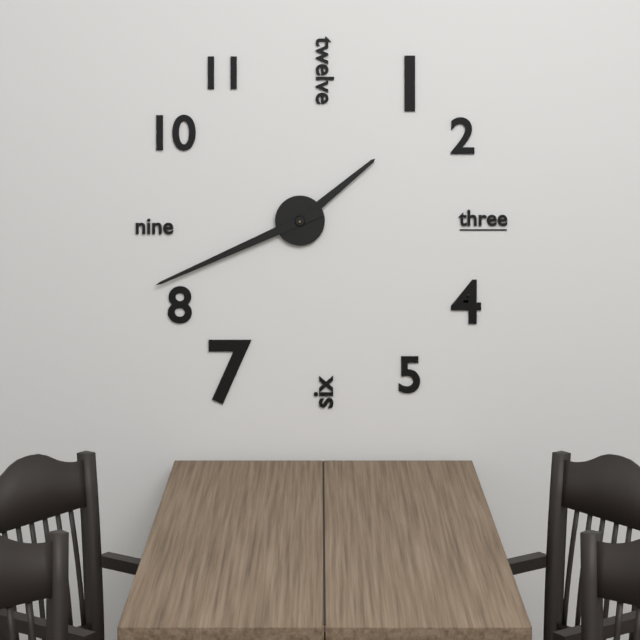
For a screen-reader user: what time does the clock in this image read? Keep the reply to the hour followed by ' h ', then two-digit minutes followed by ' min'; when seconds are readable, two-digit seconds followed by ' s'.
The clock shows 1 h 41 min
